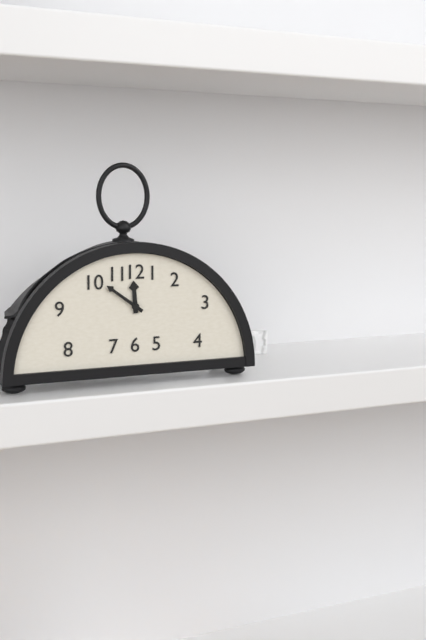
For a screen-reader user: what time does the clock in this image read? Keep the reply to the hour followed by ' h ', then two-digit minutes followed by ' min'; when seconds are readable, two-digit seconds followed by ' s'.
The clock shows 11 h 51 min
